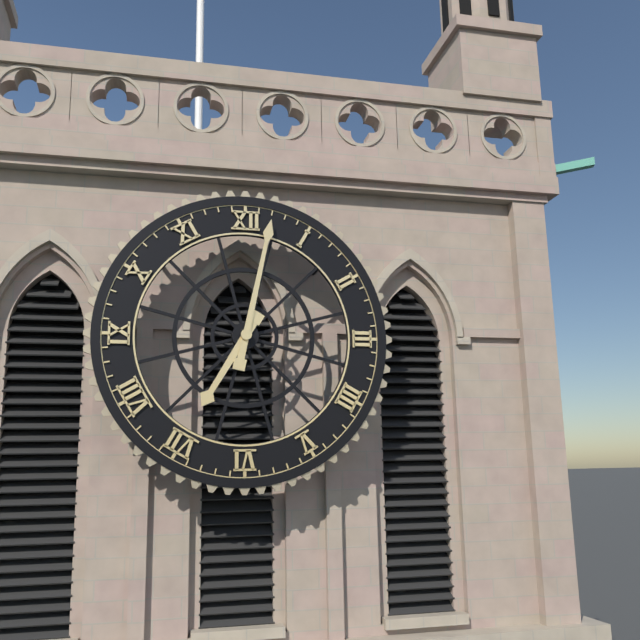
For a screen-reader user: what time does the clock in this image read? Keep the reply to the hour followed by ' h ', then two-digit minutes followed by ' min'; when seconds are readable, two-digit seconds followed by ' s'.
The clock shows 7 h 02 min
